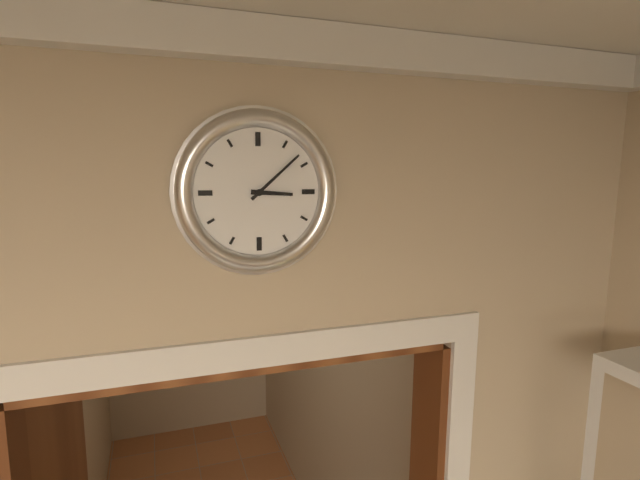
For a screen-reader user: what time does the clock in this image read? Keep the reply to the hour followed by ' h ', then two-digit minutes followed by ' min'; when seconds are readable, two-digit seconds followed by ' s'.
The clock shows 3 h 08 min
